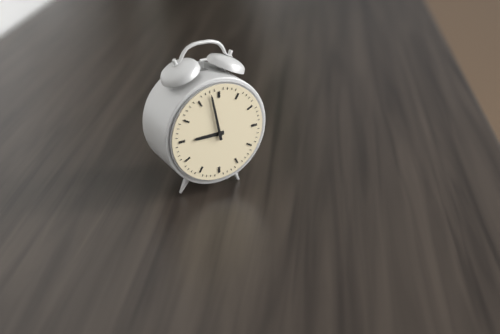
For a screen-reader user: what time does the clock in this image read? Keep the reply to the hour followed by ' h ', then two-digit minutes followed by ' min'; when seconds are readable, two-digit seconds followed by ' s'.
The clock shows 8 h 58 min
